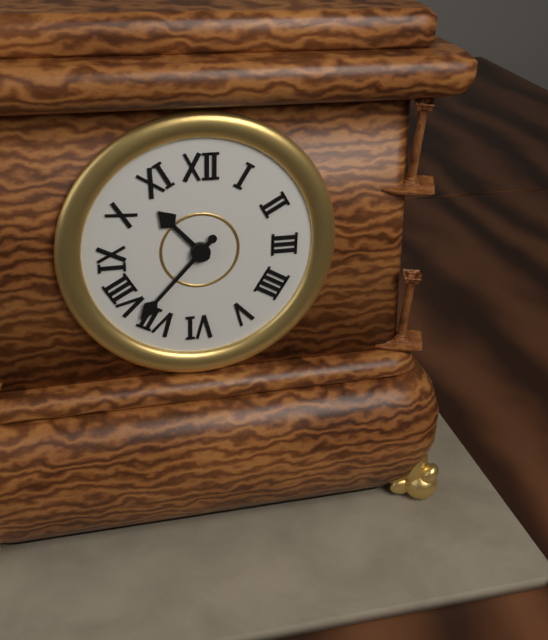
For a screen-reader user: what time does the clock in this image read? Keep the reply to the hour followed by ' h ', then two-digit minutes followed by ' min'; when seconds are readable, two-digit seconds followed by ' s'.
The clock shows 10 h 37 min
